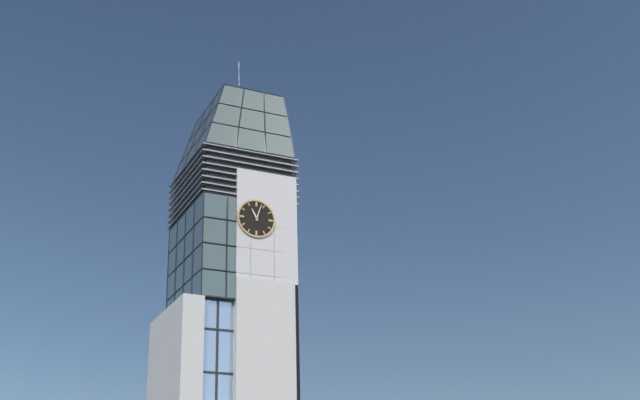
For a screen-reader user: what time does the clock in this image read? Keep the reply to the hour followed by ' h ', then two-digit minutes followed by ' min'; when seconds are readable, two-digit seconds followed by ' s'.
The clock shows 11 h 03 min
